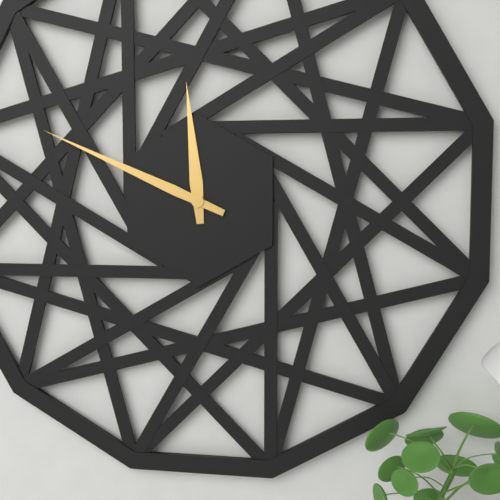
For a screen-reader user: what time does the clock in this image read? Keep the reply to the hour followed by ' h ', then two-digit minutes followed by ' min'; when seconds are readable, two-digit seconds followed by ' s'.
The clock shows 11 h 49 min
